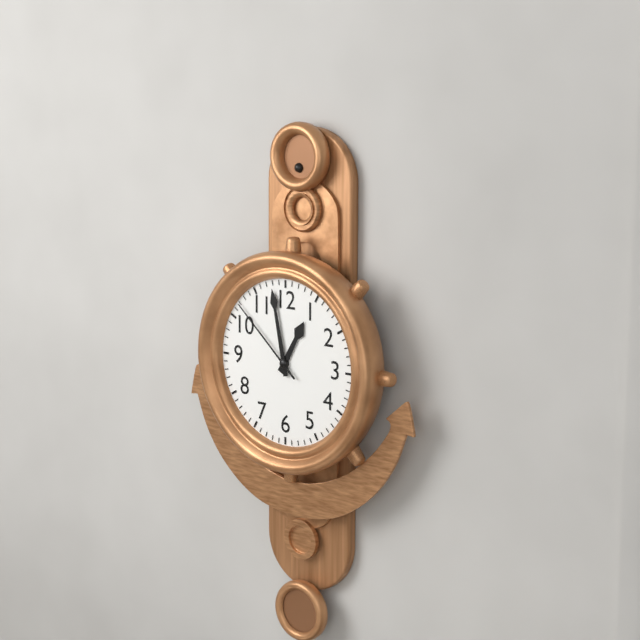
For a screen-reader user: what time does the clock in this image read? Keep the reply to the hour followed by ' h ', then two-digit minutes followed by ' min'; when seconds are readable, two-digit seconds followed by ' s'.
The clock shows 12 h 58 min 52 s
